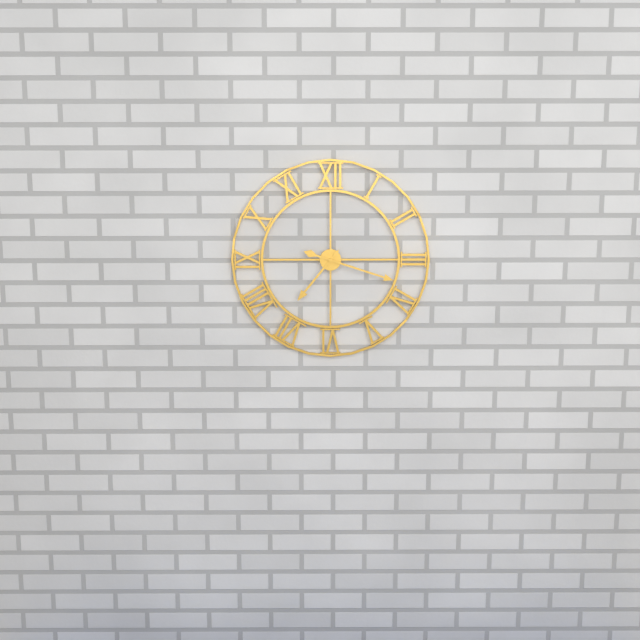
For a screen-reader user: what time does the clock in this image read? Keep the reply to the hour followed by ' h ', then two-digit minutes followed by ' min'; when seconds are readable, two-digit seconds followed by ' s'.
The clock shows 7 h 18 min
